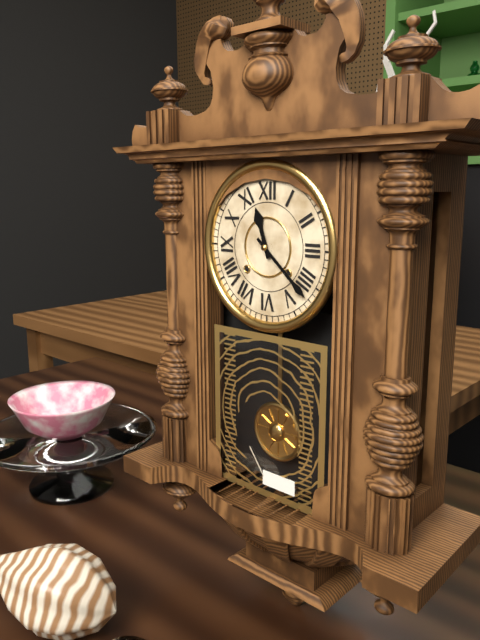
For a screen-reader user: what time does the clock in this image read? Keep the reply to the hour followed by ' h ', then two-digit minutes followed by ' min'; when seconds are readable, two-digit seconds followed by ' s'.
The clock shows 11 h 22 min
